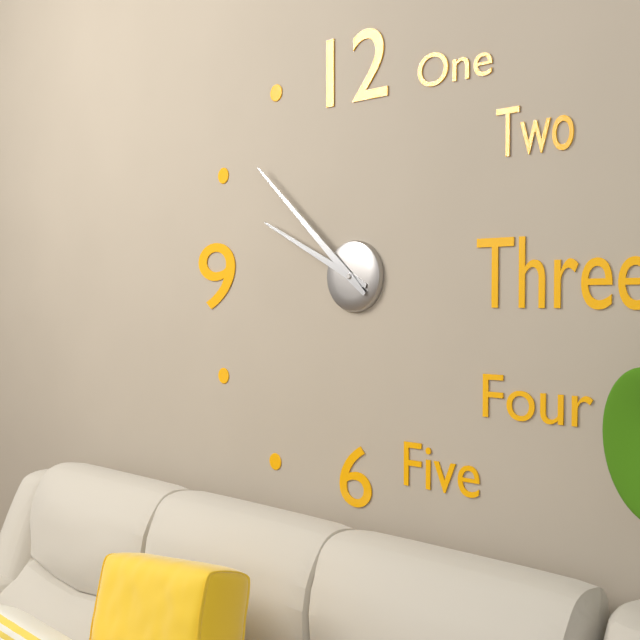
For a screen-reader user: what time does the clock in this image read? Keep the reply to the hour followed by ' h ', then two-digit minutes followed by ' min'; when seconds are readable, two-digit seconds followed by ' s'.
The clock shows 9 h 52 min
